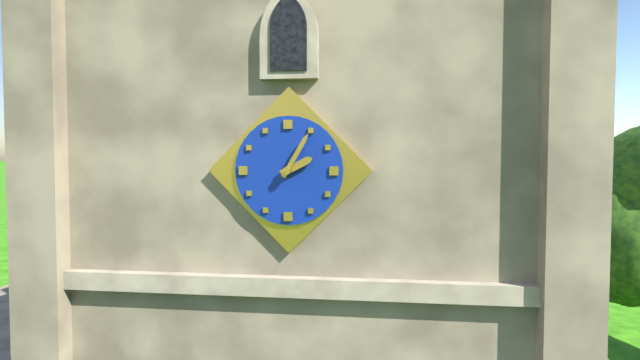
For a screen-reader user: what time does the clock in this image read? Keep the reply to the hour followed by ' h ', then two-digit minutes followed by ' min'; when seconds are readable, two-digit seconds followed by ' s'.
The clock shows 2 h 05 min
